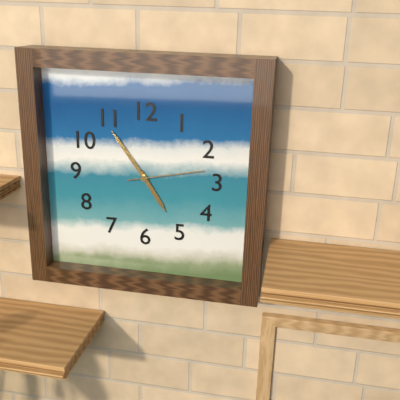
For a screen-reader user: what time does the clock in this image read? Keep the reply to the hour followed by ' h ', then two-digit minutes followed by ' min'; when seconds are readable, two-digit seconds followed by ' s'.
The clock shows 4 h 54 min 13 s
